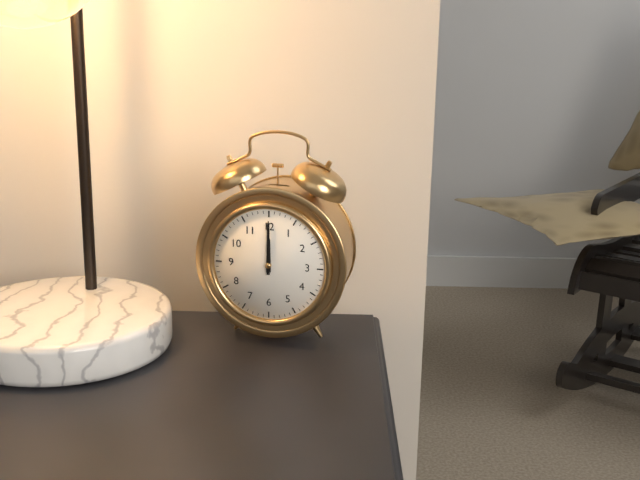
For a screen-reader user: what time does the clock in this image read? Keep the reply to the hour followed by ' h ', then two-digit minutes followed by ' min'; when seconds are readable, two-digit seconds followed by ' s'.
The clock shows 12 h 00 min
